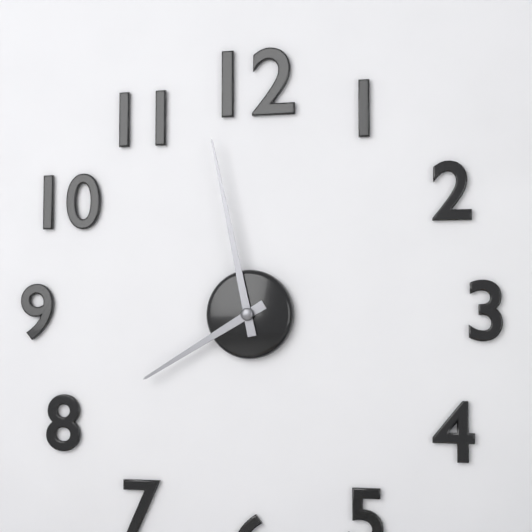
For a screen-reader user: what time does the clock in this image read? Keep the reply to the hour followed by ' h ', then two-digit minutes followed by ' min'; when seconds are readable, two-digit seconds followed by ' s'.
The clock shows 7 h 58 min
